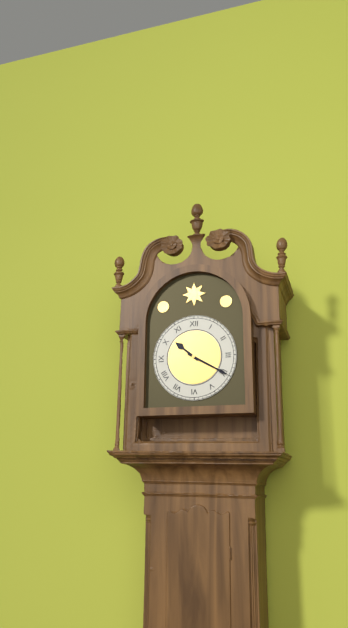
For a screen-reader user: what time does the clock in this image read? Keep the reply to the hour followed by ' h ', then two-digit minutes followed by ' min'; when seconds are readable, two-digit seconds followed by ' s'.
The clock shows 10 h 20 min
